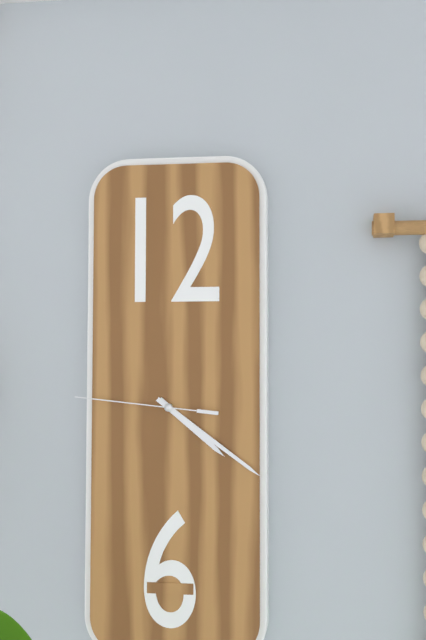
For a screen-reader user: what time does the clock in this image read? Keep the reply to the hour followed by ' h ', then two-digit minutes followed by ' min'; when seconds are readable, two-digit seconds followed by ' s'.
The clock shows 4 h 21 min 46 s
